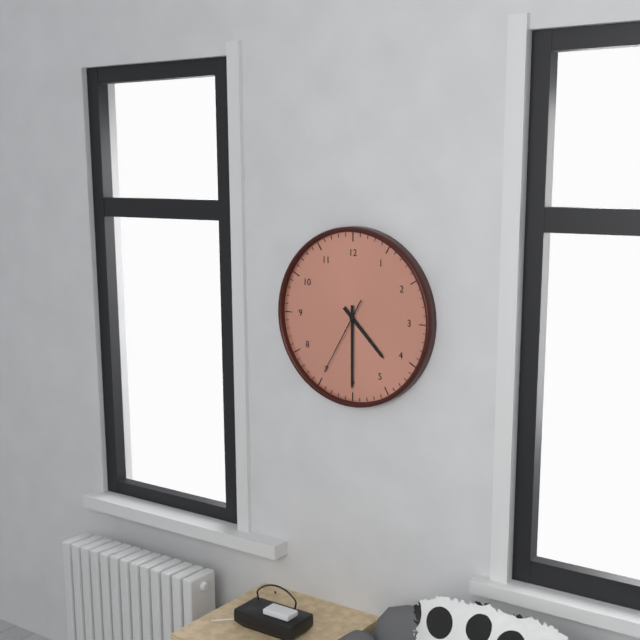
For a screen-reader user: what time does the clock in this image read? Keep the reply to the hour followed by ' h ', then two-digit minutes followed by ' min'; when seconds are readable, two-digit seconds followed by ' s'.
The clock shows 4 h 30 min 35 s
